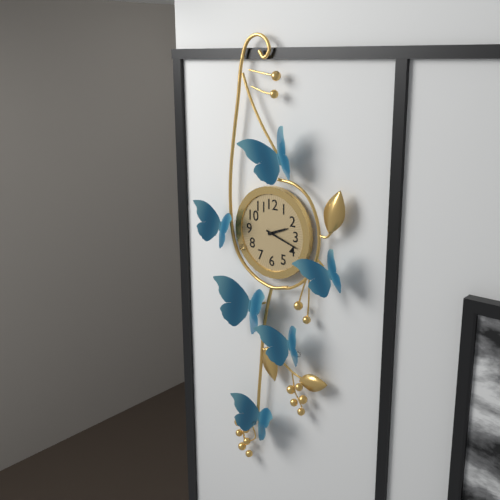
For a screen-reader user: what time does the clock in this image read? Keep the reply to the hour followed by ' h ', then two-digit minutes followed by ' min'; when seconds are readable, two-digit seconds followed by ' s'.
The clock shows 2 h 18 min
